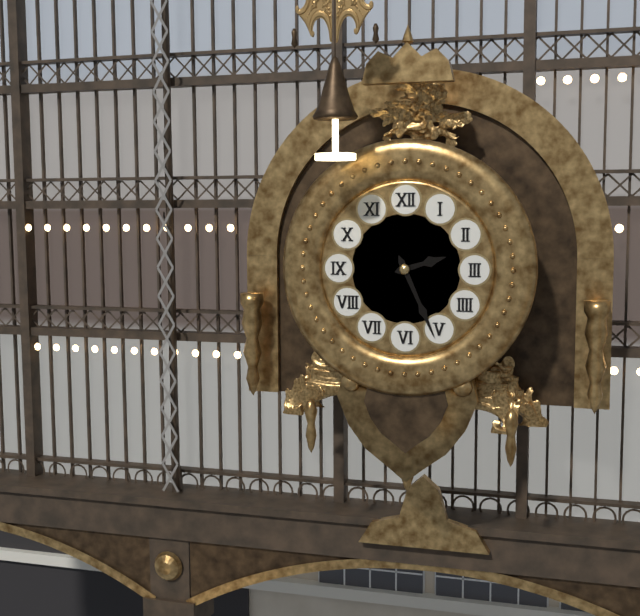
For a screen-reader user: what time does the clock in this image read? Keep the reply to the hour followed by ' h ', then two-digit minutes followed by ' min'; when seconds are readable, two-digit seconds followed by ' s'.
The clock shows 2 h 26 min
